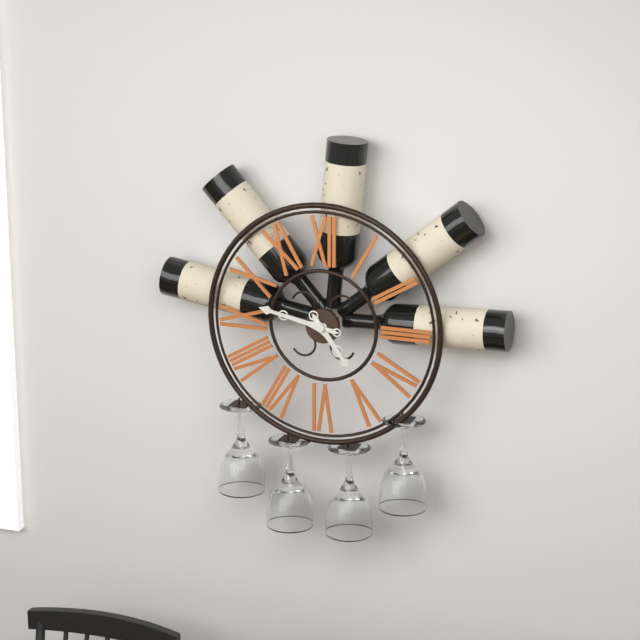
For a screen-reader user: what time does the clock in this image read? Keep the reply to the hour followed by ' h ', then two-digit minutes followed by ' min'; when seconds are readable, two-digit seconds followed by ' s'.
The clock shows 4 h 47 min
